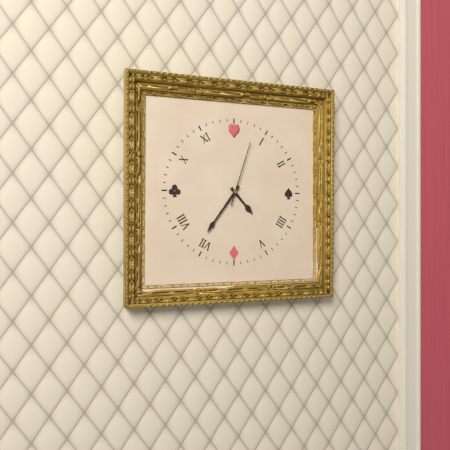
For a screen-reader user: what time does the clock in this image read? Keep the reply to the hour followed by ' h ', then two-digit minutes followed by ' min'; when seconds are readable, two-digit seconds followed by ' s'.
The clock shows 4 h 36 min 03 s
